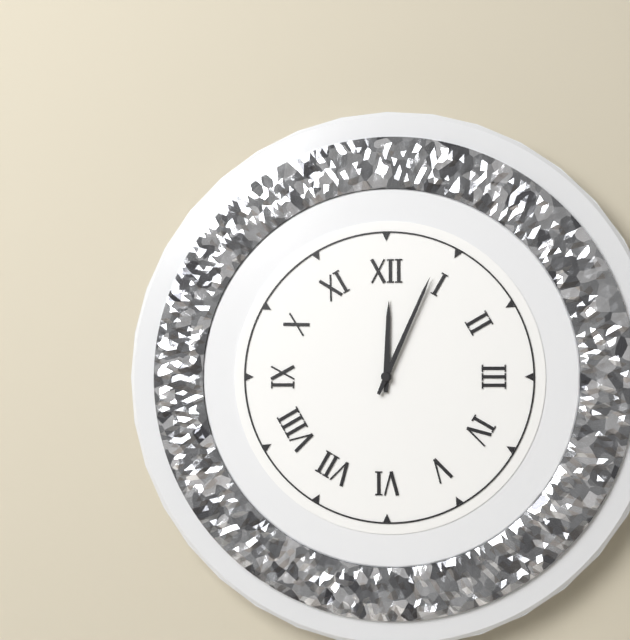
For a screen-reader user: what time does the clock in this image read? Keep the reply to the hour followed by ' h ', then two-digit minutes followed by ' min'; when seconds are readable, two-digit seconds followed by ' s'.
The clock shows 12 h 04 min
